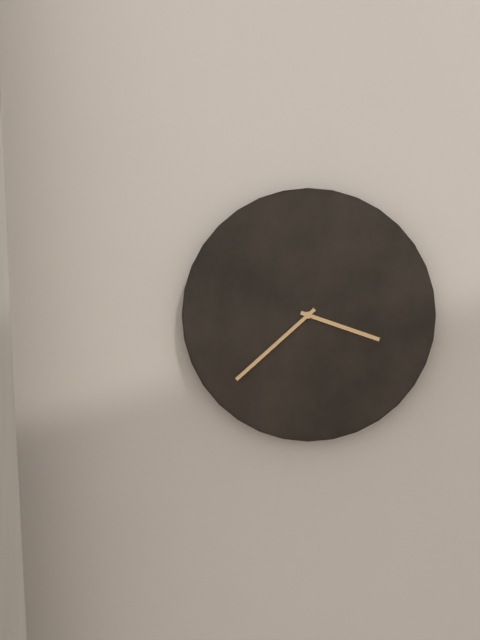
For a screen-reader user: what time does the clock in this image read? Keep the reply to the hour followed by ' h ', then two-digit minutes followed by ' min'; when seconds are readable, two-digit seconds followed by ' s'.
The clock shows 3 h 38 min
